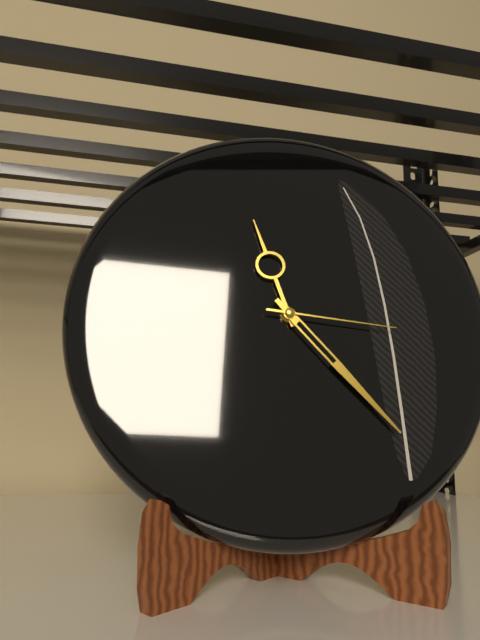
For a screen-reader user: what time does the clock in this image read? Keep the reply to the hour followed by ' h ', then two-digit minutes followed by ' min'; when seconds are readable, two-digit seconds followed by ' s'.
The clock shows 11 h 23 min 16 s
